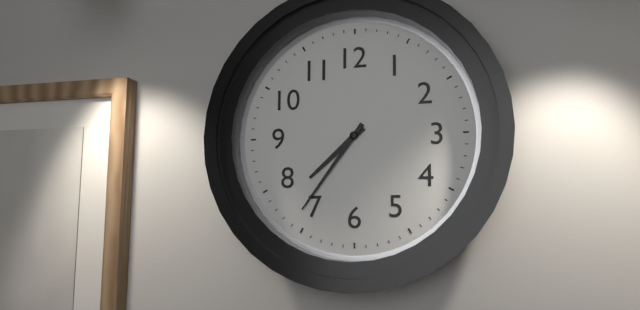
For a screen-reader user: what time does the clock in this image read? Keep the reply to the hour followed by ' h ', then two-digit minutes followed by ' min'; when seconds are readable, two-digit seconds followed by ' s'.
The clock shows 7 h 36 min
